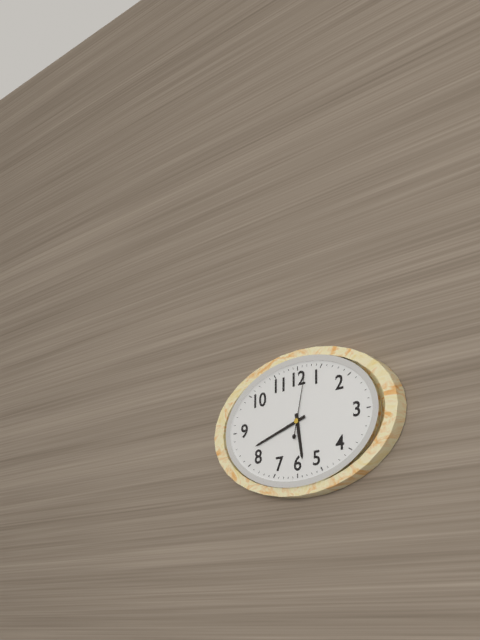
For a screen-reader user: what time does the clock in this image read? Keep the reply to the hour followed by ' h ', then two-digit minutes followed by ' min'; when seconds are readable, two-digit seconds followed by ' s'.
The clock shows 5 h 42 min 02 s
